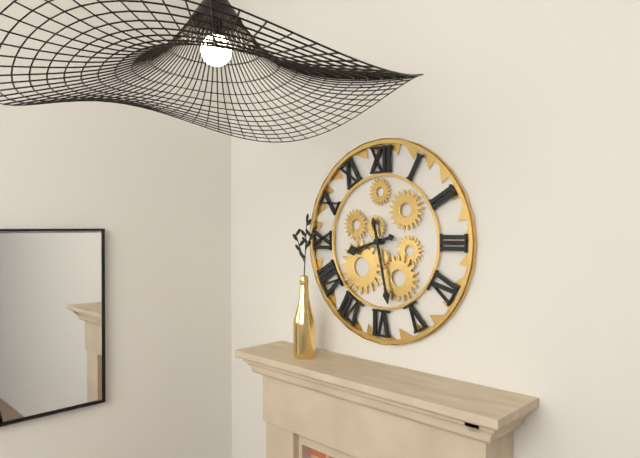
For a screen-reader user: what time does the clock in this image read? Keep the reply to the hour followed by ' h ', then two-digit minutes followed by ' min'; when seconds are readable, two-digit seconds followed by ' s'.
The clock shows 8 h 28 min
